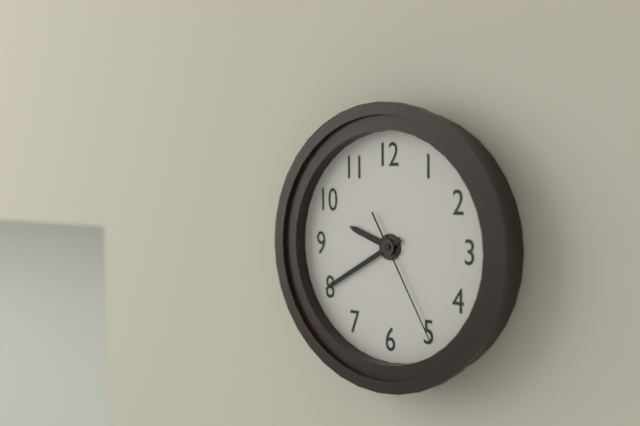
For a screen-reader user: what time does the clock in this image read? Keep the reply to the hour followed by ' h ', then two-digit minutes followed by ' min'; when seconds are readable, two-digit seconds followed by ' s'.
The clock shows 9 h 40 min 25 s
